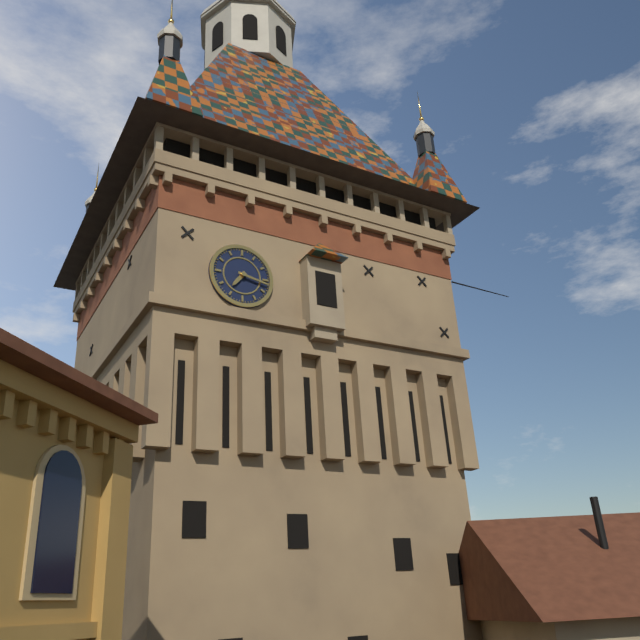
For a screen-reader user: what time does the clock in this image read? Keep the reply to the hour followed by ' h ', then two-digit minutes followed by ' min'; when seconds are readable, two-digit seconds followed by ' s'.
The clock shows 7 h 17 min
